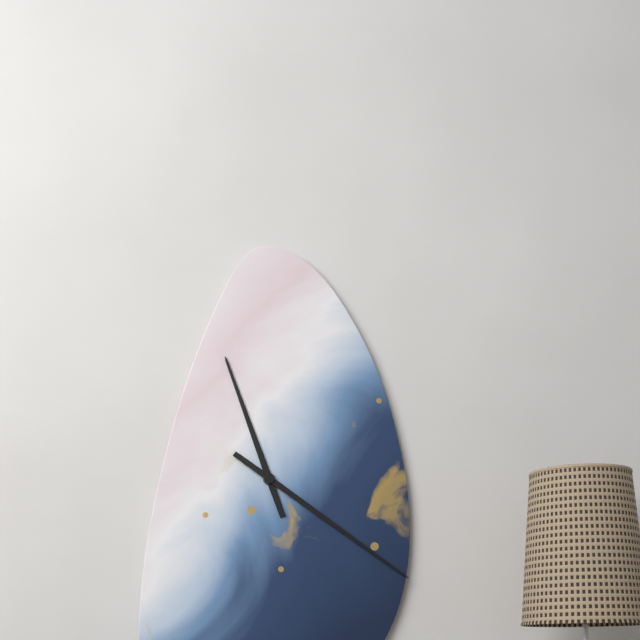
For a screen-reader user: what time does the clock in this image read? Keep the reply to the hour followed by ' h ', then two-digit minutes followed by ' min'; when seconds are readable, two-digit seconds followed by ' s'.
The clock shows 11 h 21 min
